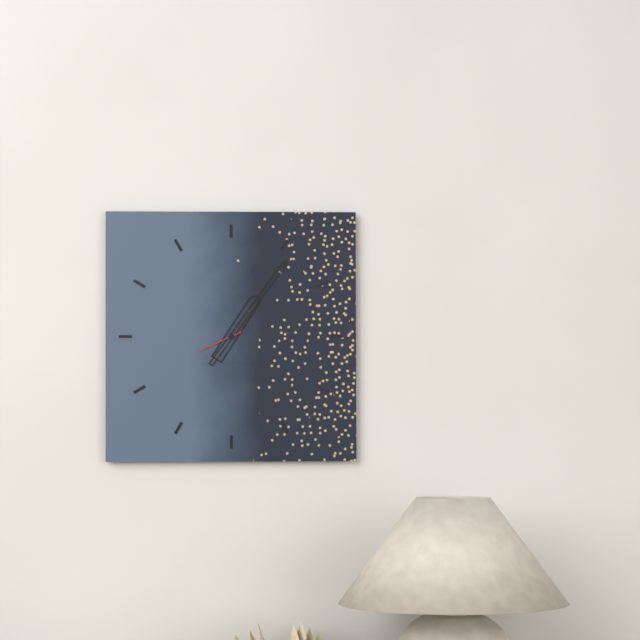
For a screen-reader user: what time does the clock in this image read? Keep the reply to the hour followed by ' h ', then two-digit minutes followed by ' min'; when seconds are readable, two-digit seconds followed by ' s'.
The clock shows 1 h 06 min
